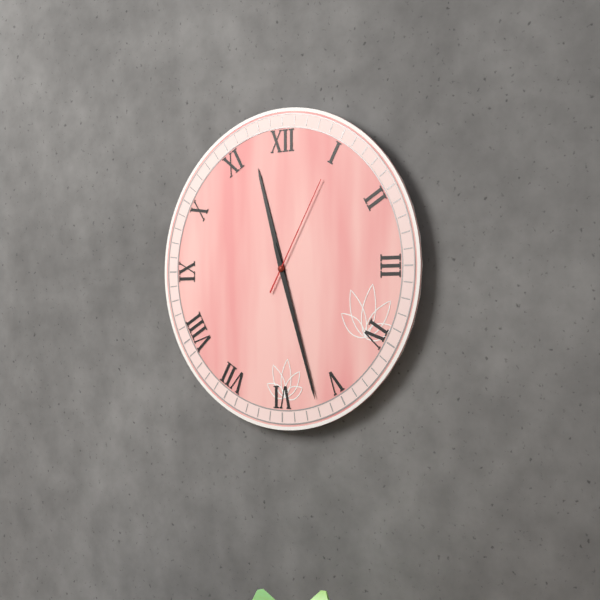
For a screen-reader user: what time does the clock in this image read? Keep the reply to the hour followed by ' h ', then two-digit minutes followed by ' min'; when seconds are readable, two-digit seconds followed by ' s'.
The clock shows 11 h 27 min 05 s
